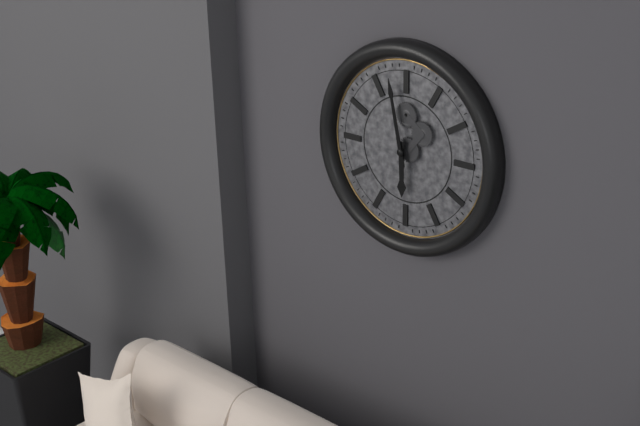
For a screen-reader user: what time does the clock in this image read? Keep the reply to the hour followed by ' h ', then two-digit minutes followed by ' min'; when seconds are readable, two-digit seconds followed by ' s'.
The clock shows 5 h 58 min
